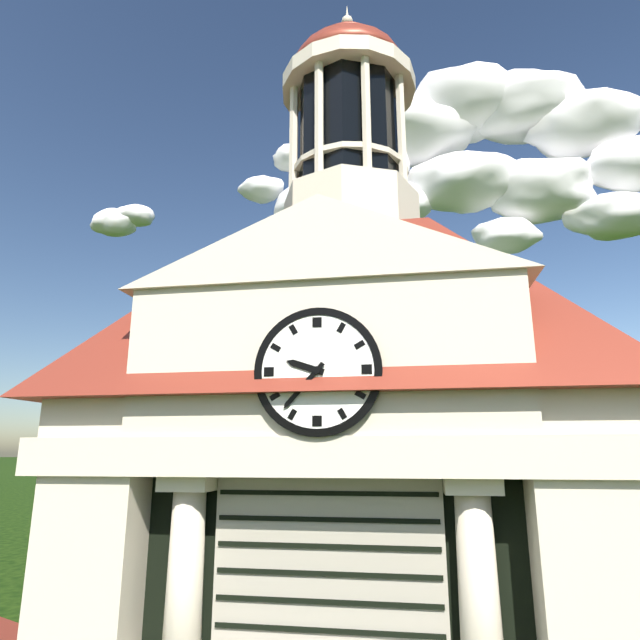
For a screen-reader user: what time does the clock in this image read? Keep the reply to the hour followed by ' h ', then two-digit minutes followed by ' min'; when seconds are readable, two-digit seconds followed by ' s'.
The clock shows 9 h 37 min
